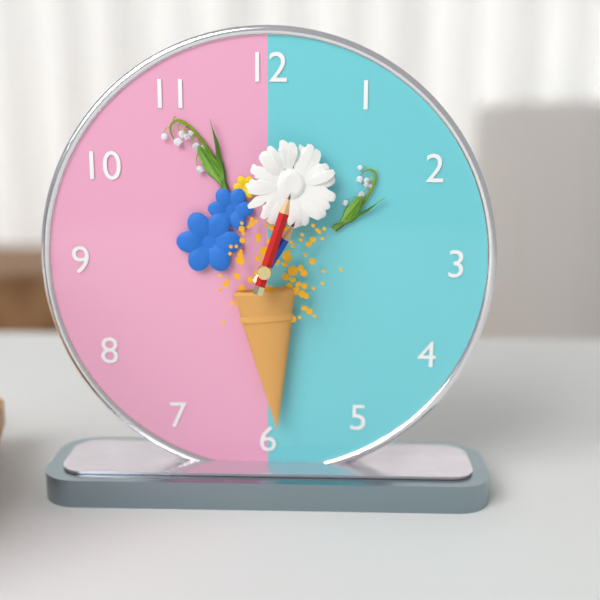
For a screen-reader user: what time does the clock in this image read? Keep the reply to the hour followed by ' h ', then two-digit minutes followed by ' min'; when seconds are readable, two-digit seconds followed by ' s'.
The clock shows 1 h 03 min
